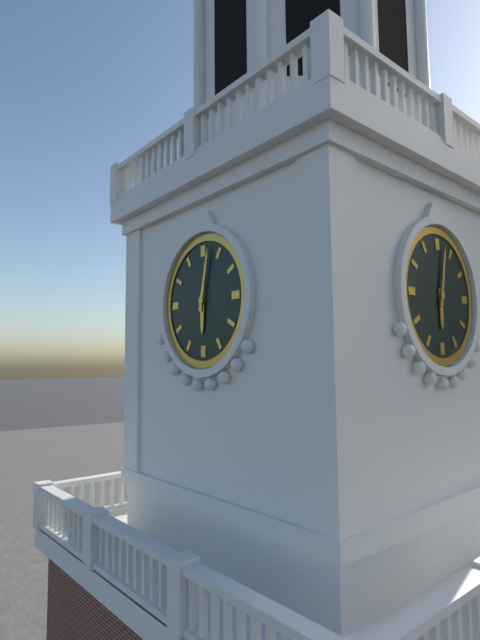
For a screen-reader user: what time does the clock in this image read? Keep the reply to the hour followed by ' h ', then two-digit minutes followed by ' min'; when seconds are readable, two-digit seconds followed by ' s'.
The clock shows 6 h 02 min
